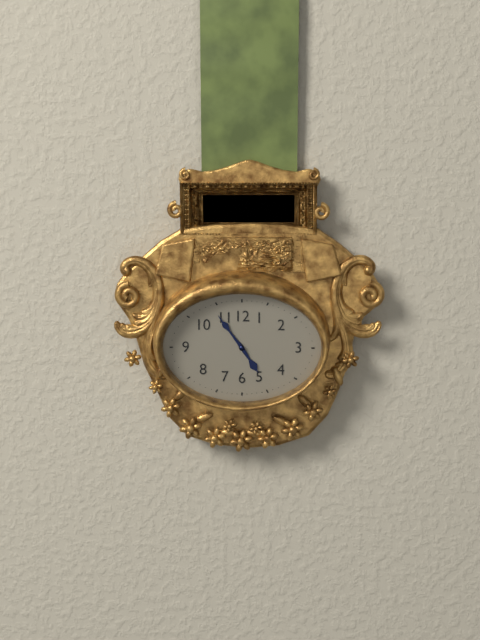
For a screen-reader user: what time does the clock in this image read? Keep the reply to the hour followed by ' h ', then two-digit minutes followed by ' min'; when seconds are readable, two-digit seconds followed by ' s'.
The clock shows 4 h 54 min
